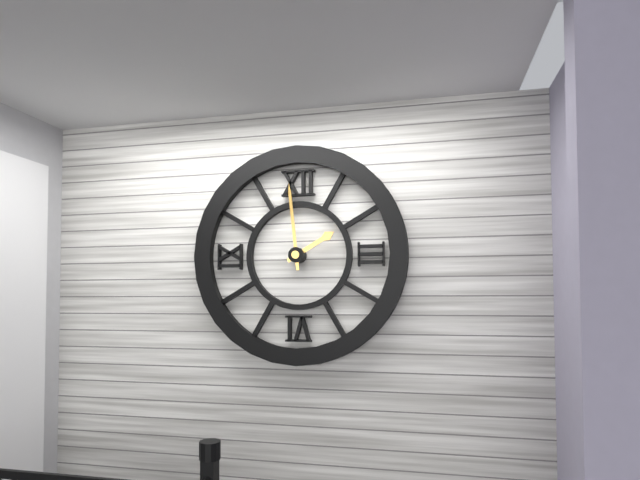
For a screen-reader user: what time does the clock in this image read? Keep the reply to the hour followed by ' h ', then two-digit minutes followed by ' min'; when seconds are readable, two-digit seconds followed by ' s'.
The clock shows 1 h 59 min
